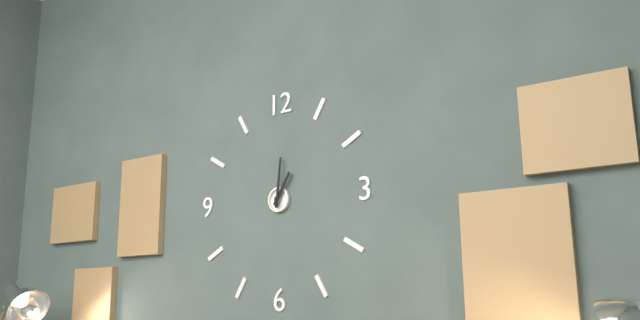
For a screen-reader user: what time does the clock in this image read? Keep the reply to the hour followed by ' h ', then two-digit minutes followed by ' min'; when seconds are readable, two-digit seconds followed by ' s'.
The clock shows 1 h 01 min
